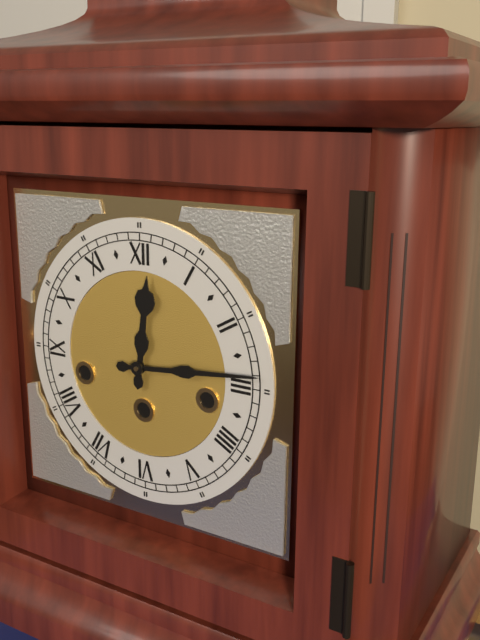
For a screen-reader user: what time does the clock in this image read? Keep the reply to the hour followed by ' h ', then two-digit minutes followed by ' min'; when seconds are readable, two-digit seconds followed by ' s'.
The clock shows 12 h 14 min
